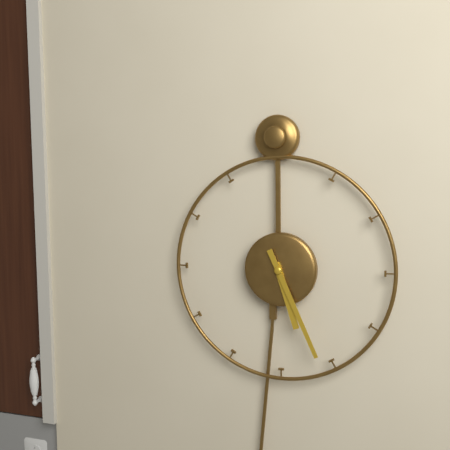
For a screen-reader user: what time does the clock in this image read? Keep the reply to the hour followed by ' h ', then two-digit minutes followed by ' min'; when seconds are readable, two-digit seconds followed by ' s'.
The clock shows 5 h 26 min
